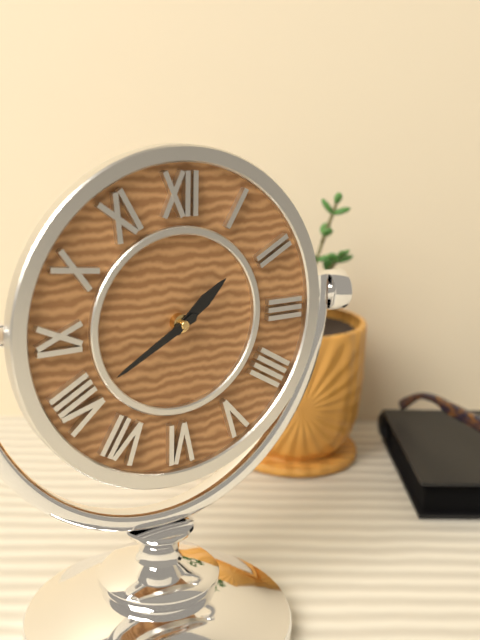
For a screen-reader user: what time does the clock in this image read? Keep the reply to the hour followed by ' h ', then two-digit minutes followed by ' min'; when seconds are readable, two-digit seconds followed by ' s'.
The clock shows 1 h 40 min
